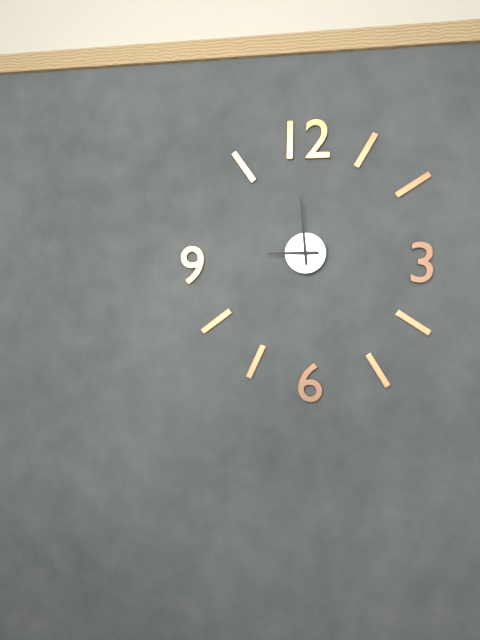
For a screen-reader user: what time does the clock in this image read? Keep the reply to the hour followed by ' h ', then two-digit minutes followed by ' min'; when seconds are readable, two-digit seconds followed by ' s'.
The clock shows 8 h 59 min
